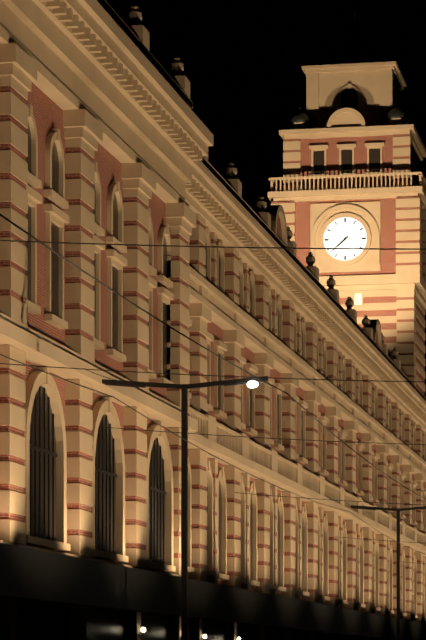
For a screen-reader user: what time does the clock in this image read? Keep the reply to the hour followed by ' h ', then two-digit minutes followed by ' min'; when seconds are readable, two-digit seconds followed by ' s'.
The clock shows 7 h 38 min
